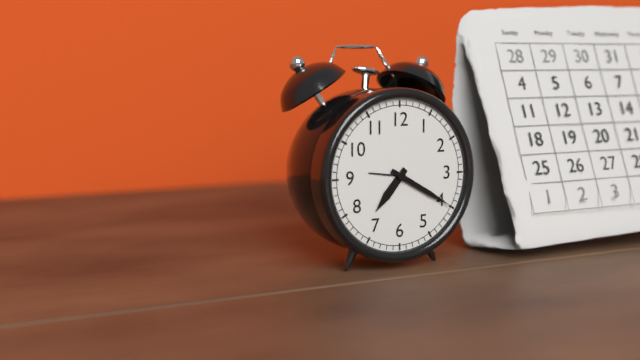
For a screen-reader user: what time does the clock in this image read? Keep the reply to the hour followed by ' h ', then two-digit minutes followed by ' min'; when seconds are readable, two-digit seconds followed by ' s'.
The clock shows 7 h 20 min
